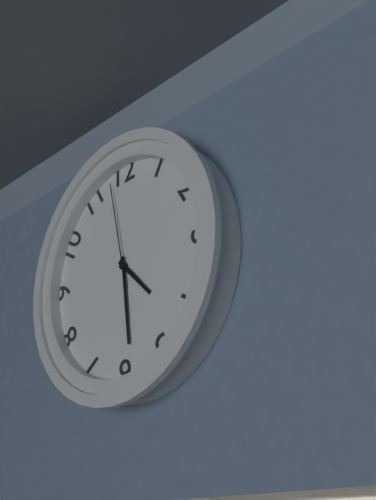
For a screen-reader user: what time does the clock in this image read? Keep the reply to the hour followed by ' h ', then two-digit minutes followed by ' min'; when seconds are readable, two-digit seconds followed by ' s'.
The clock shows 4 h 29 min 58 s
